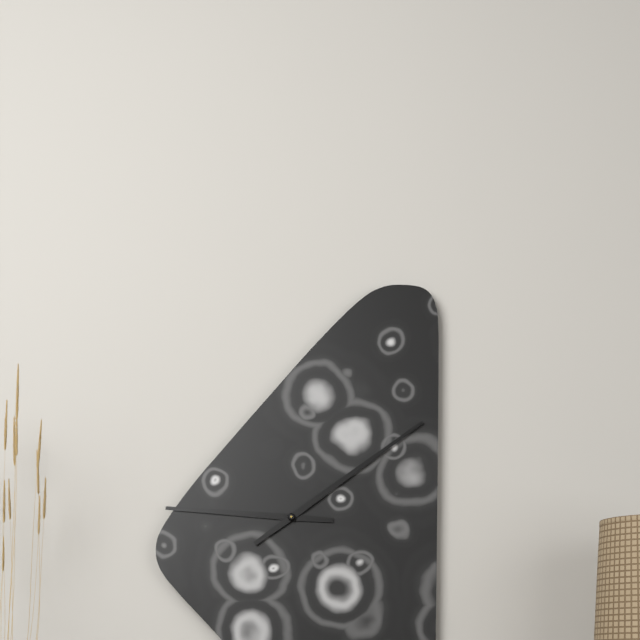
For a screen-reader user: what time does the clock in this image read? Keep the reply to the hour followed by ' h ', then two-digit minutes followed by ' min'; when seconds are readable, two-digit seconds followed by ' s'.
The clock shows 9 h 09 min
